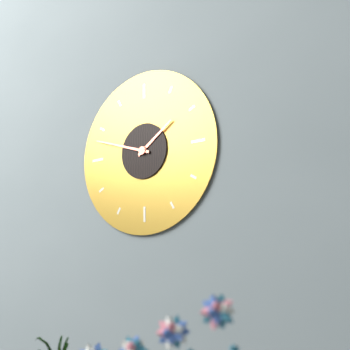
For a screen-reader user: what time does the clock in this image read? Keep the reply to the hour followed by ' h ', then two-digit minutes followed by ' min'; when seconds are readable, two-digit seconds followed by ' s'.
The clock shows 1 h 48 min
